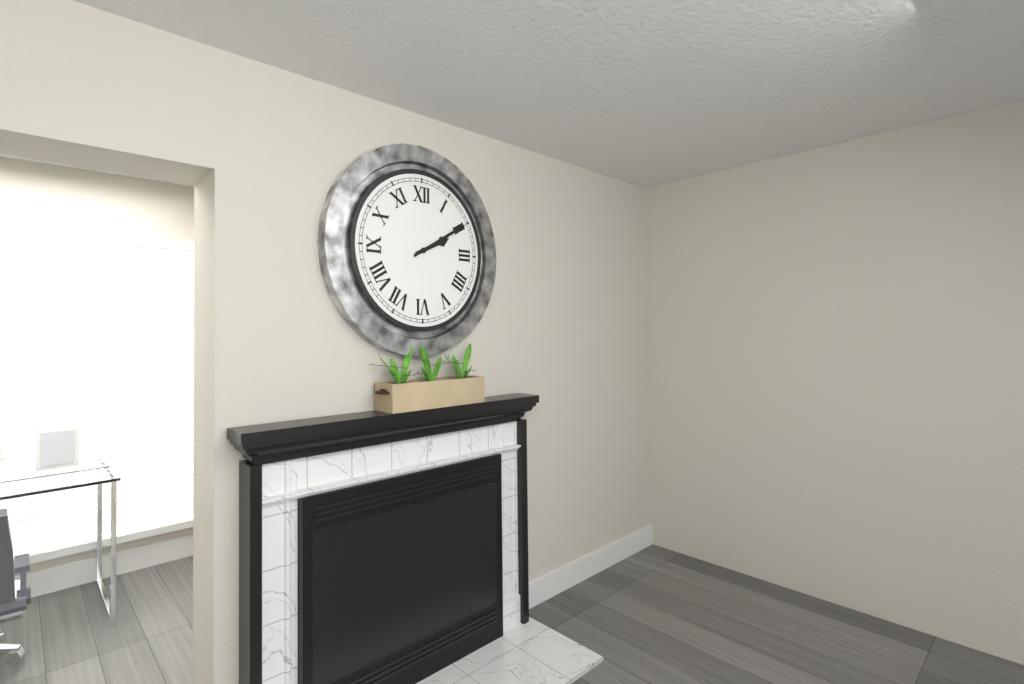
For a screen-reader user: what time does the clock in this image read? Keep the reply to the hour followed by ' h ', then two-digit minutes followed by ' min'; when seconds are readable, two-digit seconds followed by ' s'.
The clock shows 2 h 10 min
